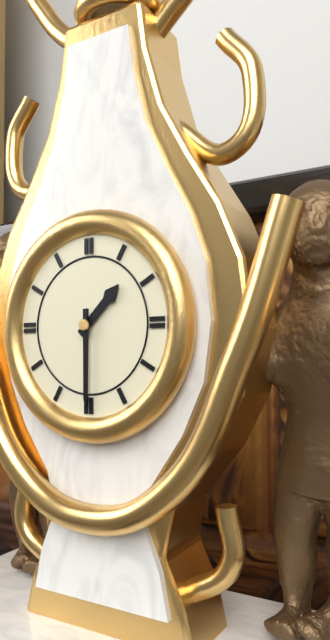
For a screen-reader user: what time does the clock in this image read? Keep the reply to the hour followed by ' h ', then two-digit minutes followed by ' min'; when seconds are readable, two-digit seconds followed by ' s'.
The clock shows 1 h 30 min
